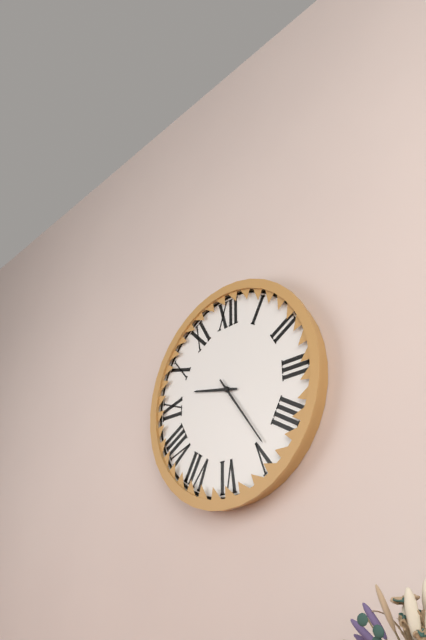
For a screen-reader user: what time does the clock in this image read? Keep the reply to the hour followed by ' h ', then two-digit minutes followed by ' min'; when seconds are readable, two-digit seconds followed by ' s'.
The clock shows 9 h 24 min
